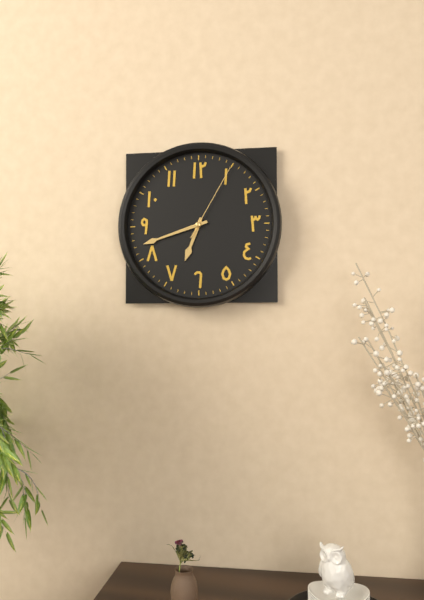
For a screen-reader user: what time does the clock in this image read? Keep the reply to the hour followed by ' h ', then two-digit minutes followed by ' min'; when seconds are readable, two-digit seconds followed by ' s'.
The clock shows 6 h 42 min 05 s
